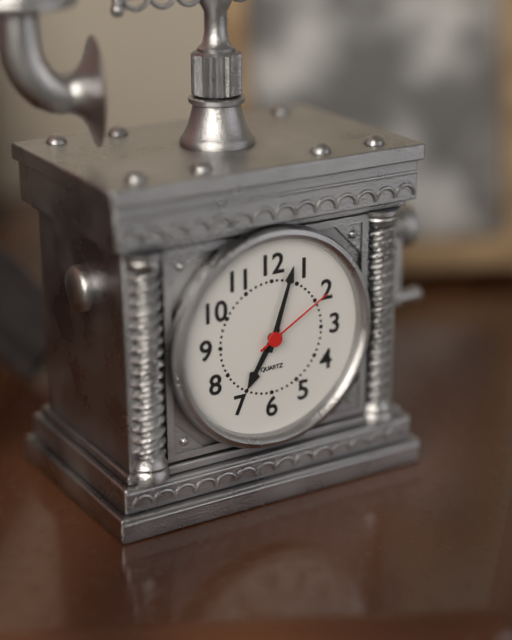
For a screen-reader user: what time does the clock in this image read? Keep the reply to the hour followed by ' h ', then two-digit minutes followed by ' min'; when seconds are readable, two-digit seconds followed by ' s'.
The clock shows 7 h 03 min 10 s
